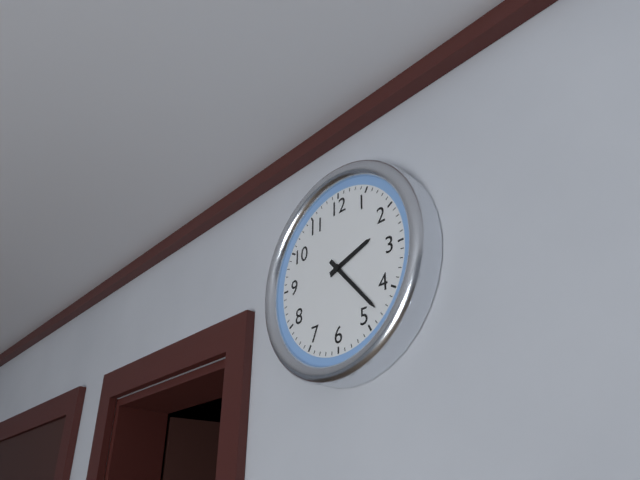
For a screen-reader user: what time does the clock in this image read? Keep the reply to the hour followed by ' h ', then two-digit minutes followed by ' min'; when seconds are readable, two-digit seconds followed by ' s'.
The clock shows 2 h 23 min
